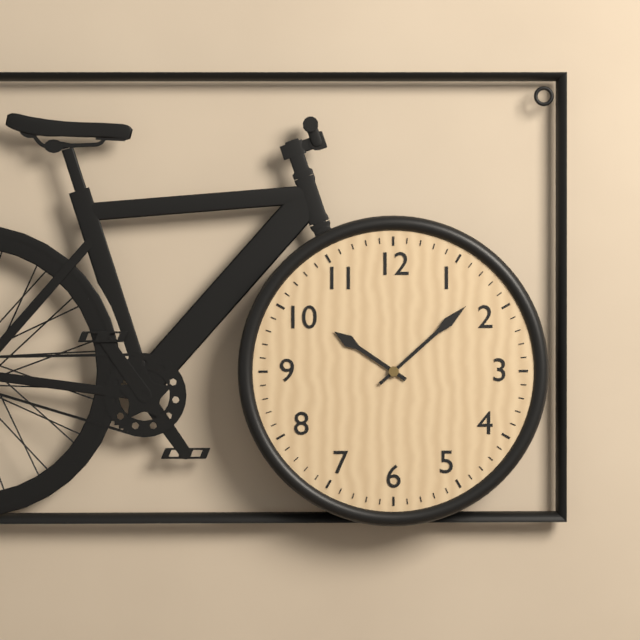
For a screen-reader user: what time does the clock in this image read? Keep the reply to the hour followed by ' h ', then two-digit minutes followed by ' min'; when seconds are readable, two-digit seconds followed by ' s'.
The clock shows 10 h 08 min
